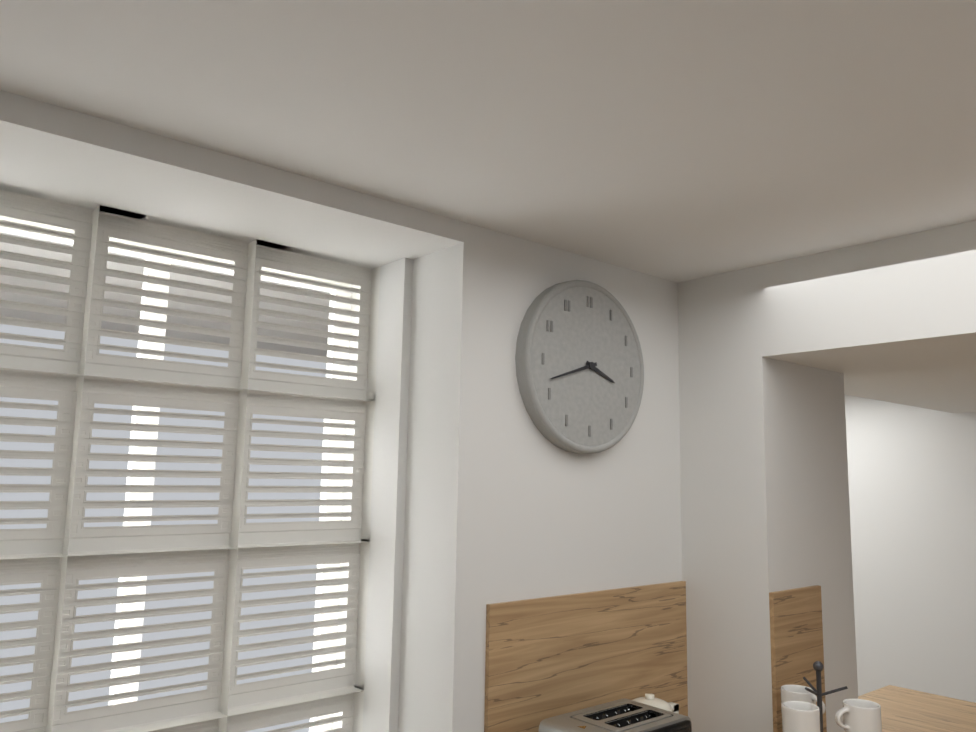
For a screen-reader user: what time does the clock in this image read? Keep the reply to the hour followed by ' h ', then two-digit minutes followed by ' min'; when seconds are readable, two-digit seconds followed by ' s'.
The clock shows 3 h 42 min
